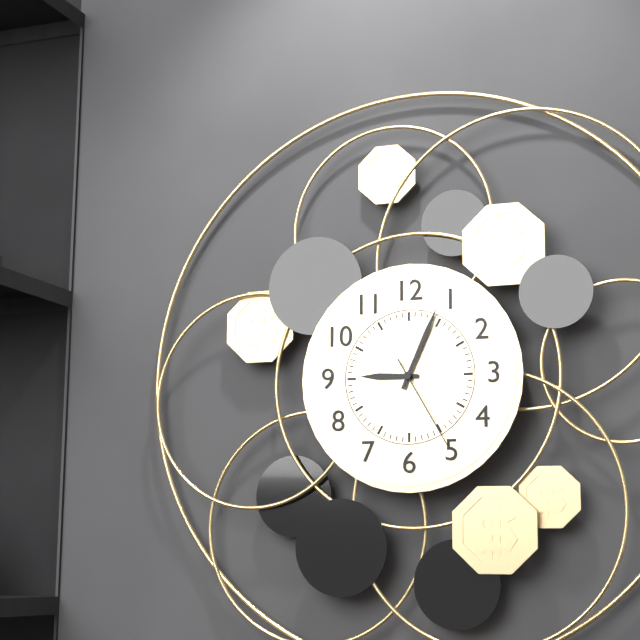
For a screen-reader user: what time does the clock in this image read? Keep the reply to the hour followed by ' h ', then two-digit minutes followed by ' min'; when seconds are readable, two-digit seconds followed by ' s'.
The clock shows 9 h 04 min 25 s
